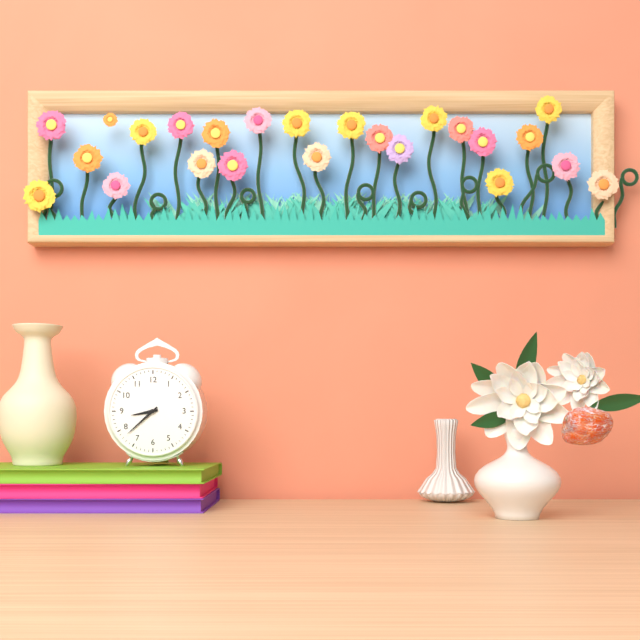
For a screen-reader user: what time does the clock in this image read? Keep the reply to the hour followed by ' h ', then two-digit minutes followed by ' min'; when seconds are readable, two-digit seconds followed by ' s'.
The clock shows 8 h 38 min
